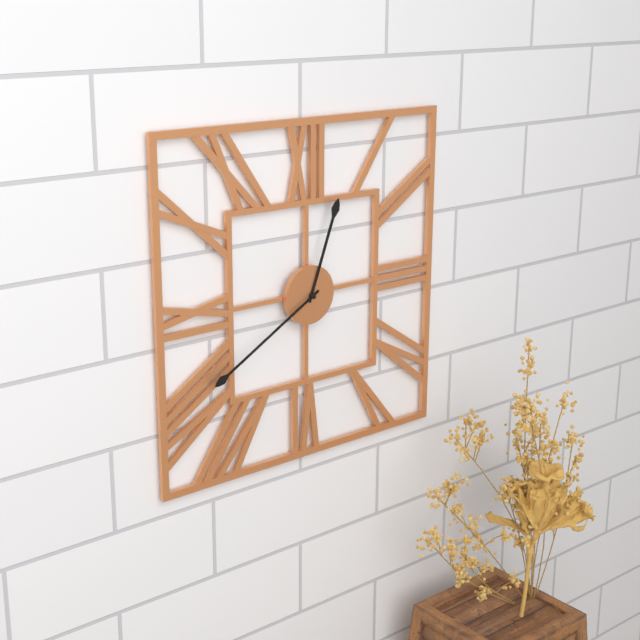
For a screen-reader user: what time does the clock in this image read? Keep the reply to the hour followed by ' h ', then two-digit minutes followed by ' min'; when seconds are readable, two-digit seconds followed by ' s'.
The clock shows 12 h 40 min
